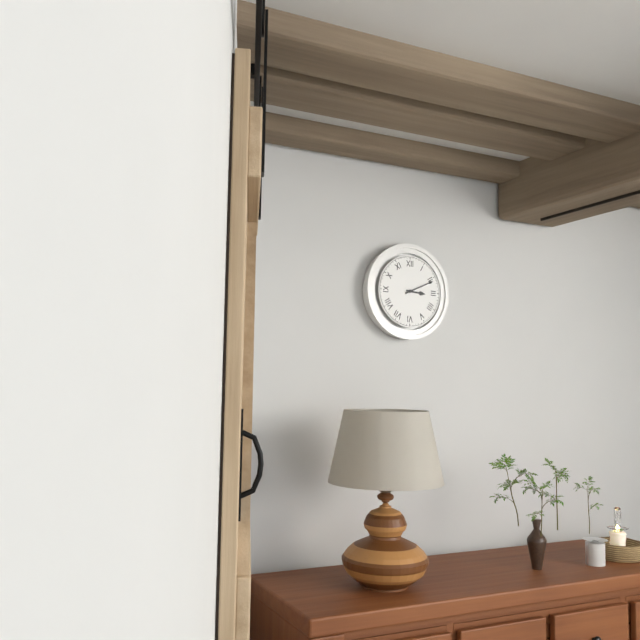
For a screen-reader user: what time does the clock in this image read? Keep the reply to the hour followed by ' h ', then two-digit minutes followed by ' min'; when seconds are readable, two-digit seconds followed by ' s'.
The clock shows 3 h 11 min
